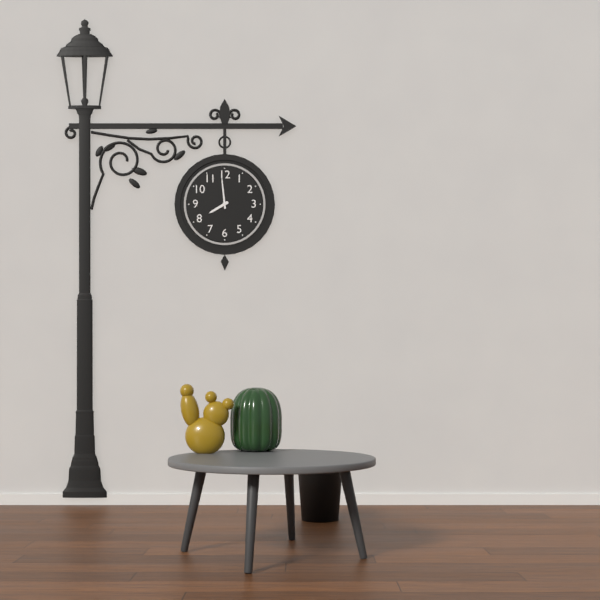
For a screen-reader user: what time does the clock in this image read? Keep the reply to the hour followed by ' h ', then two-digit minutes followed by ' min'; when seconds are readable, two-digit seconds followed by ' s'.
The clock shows 7 h 59 min
